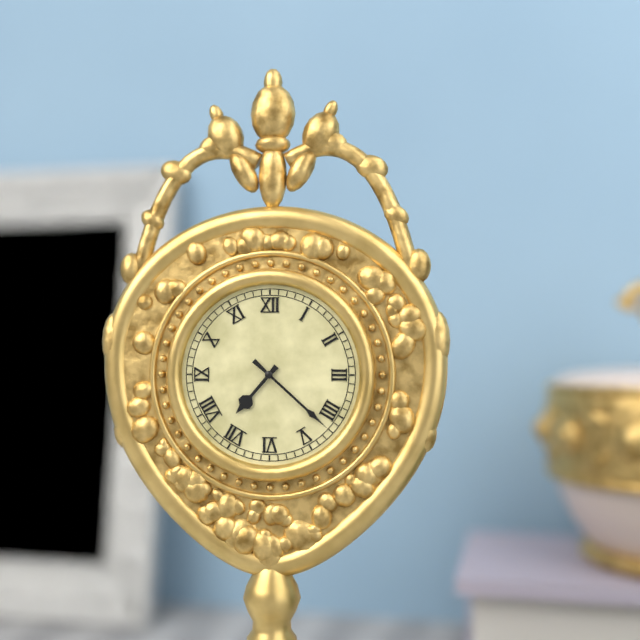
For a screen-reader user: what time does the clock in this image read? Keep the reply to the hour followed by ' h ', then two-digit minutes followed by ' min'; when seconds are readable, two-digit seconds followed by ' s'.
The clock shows 7 h 22 min
